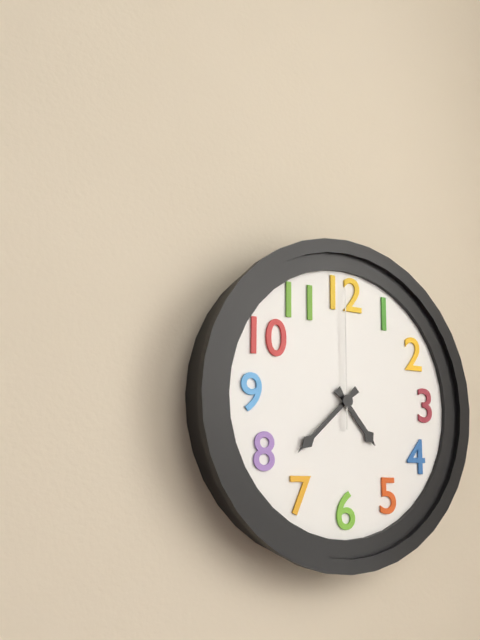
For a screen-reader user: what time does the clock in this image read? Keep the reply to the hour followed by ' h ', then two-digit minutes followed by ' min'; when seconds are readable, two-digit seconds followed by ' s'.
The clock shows 4 h 38 min 00 s
